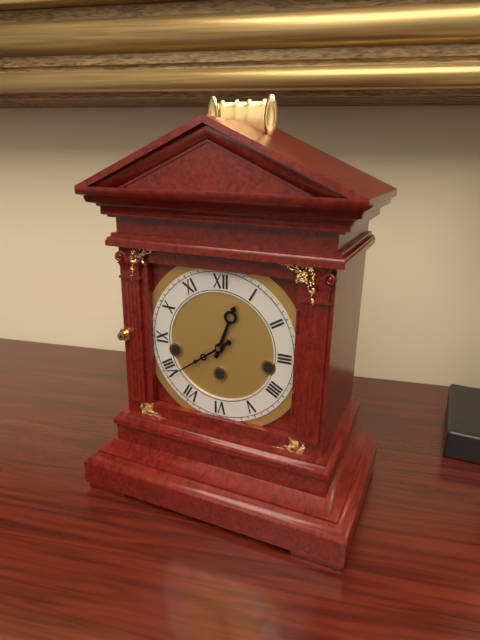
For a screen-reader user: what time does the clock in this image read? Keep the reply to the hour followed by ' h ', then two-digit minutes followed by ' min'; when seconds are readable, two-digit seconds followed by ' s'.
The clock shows 12 h 39 min
